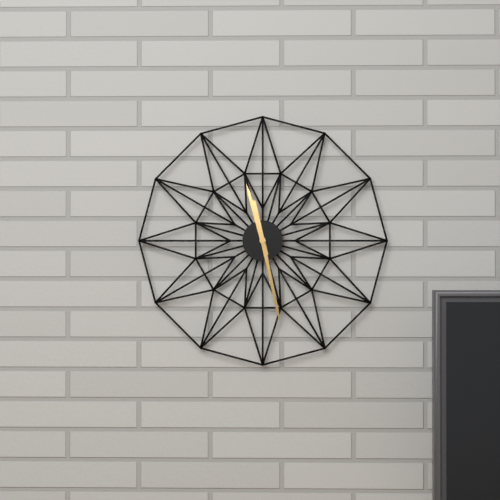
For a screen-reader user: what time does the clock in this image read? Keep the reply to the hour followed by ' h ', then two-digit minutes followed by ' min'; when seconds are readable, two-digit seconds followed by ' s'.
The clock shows 11 h 28 min
